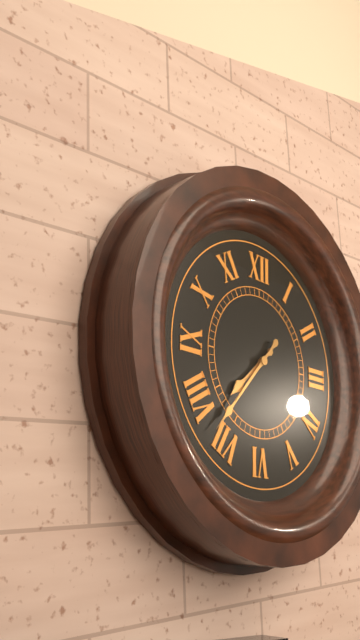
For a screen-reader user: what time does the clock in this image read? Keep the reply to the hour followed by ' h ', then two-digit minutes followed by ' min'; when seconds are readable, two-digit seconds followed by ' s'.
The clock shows 7 h 37 min
